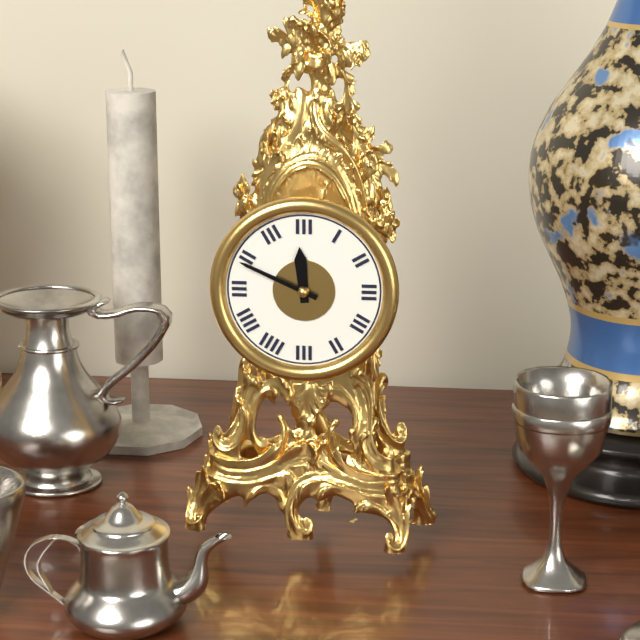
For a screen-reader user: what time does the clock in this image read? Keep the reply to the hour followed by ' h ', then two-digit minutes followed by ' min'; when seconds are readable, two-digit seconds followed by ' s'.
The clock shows 11 h 49 min
